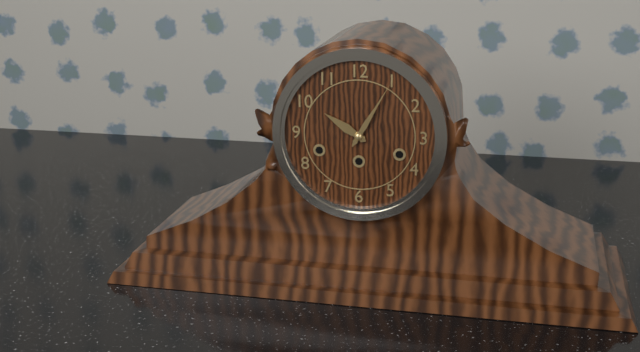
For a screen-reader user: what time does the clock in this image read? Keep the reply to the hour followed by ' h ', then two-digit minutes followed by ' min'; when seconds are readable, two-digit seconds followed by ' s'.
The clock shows 10 h 05 min
